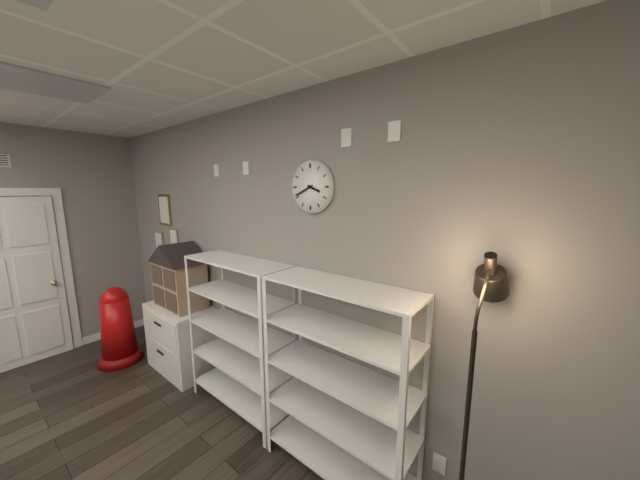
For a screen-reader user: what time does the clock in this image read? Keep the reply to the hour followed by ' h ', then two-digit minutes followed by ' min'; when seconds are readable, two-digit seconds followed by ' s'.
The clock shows 3 h 41 min
